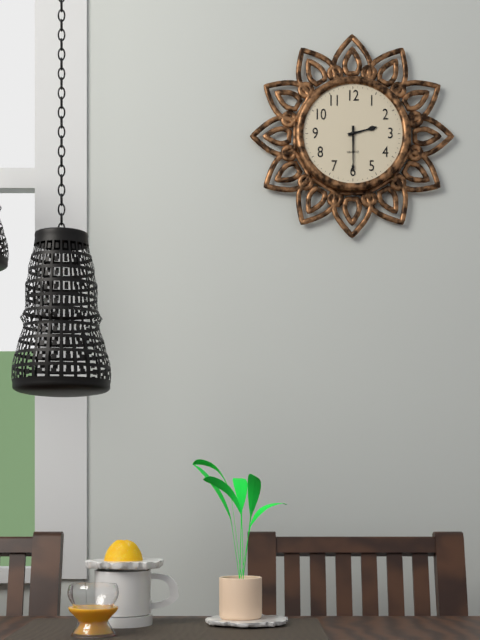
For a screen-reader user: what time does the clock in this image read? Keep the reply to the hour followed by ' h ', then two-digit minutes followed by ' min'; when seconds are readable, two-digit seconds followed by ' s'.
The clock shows 2 h 30 min
